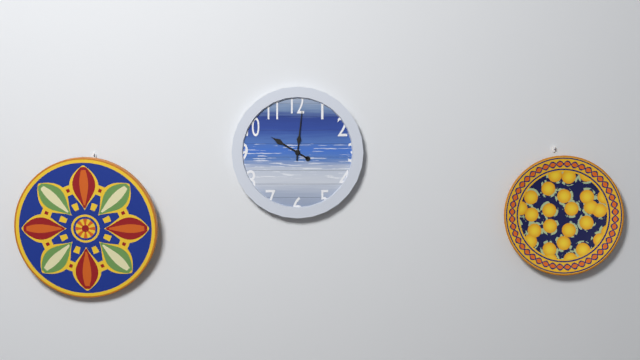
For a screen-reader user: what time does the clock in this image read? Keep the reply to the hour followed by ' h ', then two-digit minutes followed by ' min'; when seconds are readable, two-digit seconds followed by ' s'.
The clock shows 10 h 01 min
